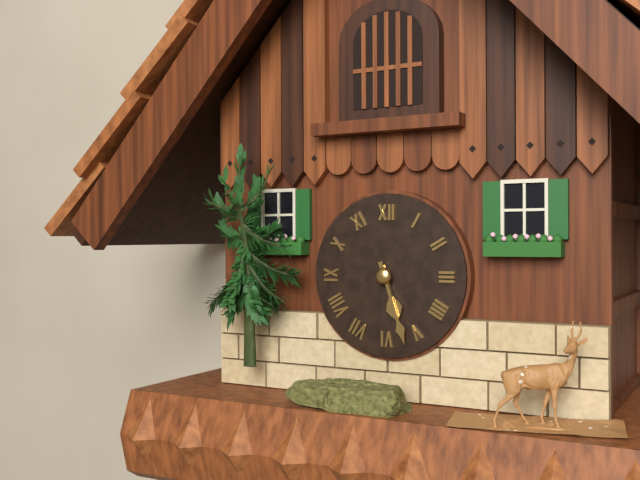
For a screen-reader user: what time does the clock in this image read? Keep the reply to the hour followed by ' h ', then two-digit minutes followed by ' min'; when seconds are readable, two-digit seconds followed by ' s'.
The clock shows 5 h 27 min
